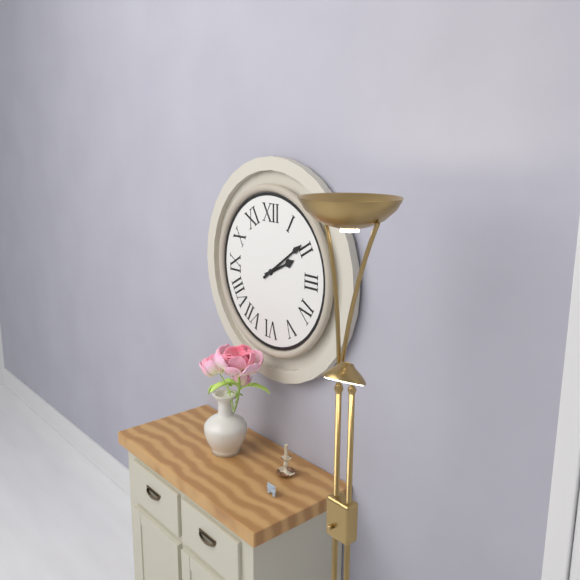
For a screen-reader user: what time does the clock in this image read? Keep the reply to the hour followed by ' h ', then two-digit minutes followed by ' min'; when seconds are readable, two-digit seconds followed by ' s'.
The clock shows 2 h 09 min
